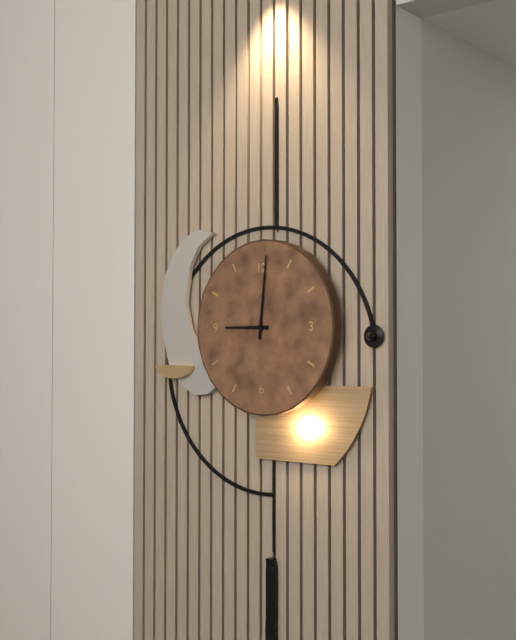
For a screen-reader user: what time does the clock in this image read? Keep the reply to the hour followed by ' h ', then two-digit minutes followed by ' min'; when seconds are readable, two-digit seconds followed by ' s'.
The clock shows 9 h 01 min
